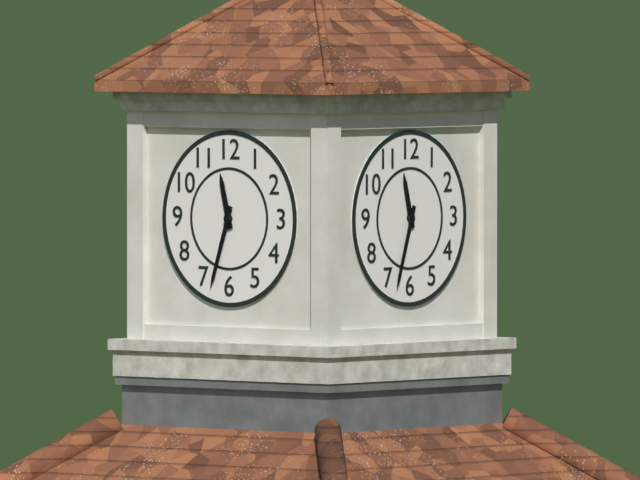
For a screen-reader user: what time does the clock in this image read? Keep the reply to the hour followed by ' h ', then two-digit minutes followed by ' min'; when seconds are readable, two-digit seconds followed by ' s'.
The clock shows 11 h 33 min
